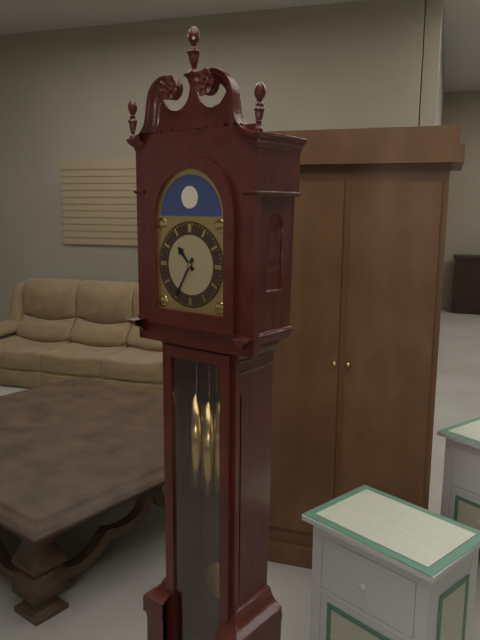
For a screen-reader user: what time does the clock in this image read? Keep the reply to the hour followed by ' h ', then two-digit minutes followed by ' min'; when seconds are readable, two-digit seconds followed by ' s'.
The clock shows 10 h 35 min
